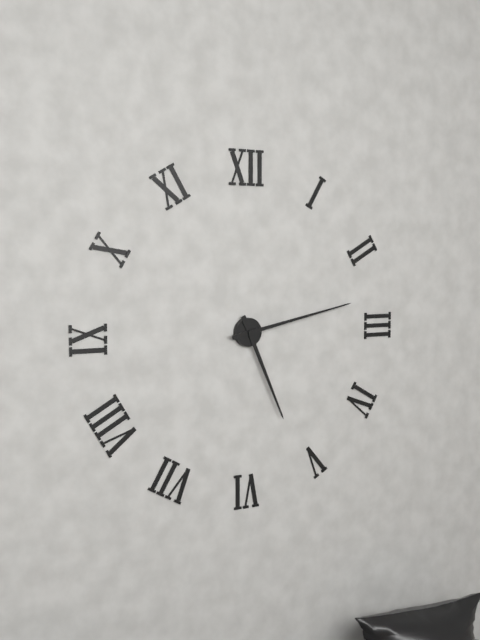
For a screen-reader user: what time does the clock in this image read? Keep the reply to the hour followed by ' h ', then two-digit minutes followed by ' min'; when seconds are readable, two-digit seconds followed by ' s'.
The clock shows 5 h 13 min
